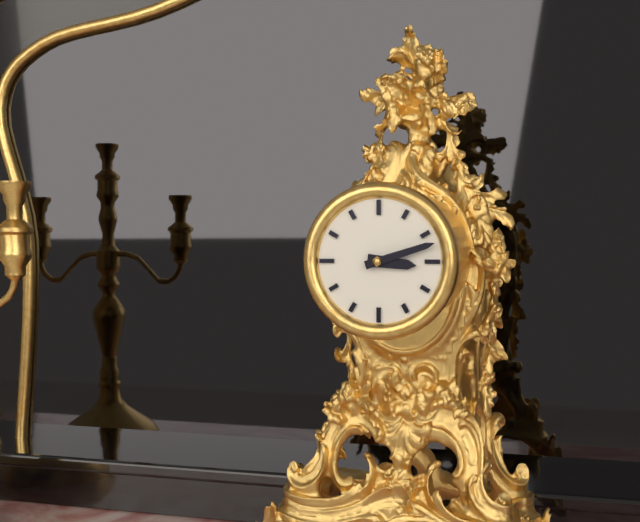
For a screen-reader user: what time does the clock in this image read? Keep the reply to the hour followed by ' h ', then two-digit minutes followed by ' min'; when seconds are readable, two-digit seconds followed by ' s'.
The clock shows 3 h 12 min
